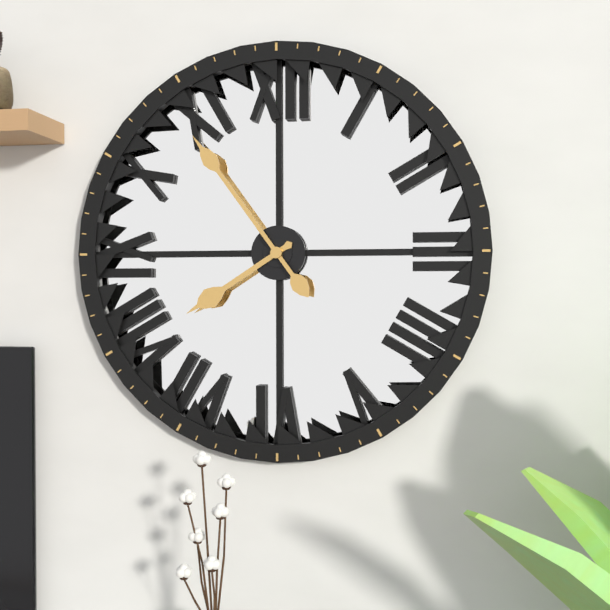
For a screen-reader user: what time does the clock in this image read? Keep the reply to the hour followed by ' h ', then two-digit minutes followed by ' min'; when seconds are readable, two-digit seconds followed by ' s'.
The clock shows 7 h 54 min
